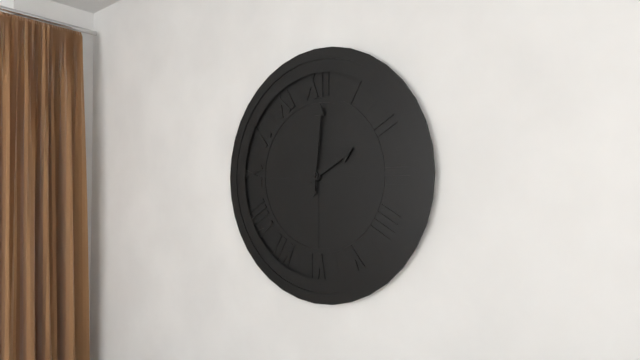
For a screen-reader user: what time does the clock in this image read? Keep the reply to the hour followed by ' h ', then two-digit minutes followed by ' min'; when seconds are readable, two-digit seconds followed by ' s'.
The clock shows 2 h 01 min
